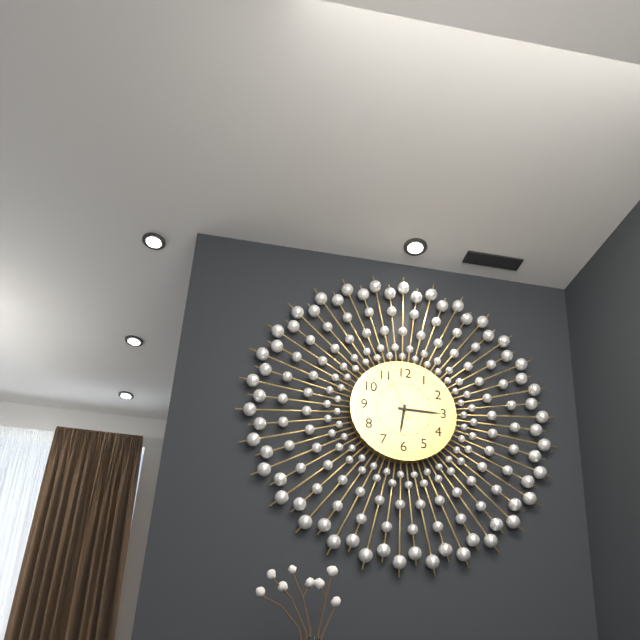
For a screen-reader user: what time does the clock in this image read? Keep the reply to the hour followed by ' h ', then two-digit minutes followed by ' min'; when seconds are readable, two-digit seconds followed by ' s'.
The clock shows 6 h 15 min 56 s
